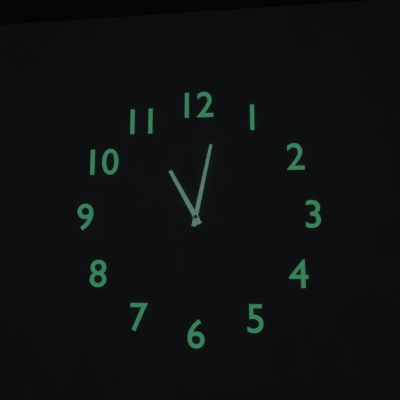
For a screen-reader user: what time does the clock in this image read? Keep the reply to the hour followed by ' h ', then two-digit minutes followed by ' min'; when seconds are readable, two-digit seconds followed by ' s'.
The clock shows 11 h 02 min
